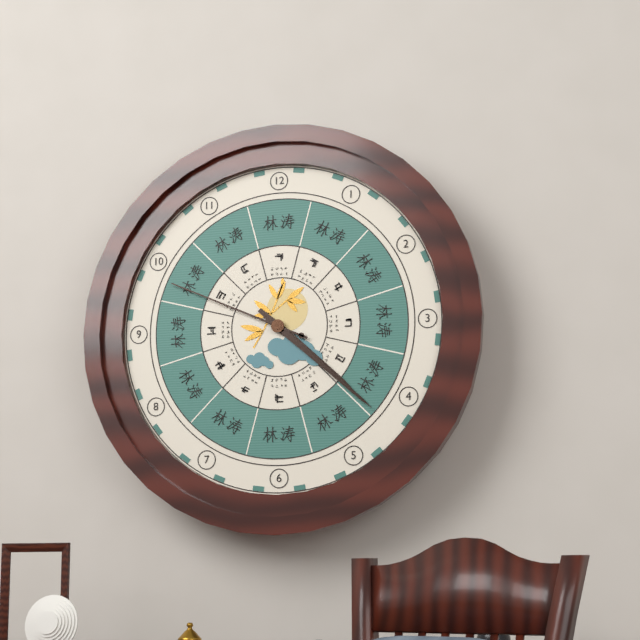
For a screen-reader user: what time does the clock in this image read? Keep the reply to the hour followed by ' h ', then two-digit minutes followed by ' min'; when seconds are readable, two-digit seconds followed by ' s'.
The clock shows 4 h 22 min 49 s
